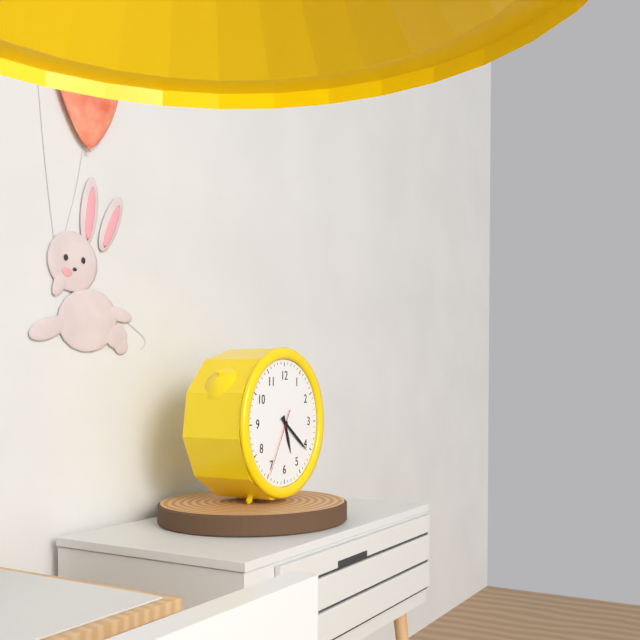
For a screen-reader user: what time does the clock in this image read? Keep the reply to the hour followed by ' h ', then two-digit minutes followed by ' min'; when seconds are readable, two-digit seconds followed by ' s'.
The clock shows 5 h 21 min 35 s
